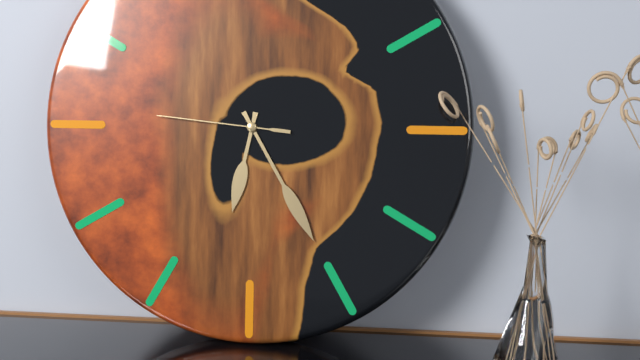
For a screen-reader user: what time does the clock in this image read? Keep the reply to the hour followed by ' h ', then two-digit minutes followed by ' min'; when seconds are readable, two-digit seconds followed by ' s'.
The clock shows 6 h 25 min 46 s
